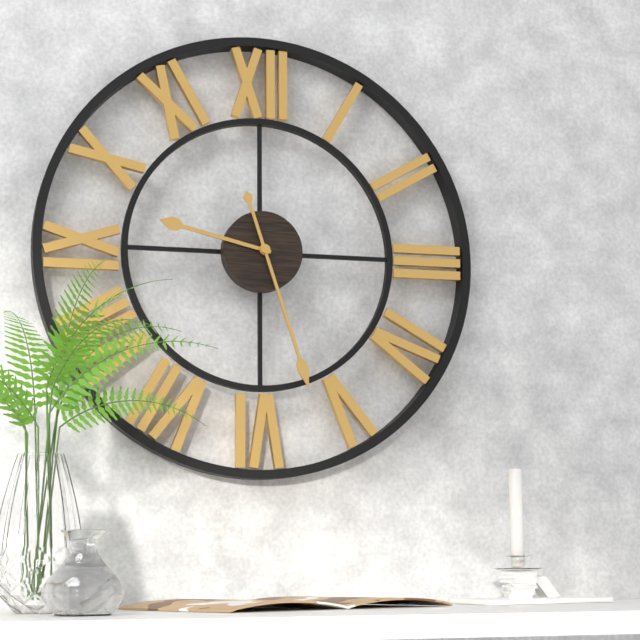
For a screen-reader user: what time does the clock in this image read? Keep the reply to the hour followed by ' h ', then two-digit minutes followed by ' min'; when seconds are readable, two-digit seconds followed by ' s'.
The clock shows 9 h 27 min
